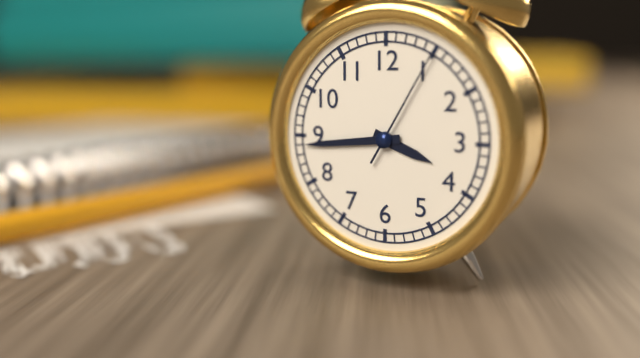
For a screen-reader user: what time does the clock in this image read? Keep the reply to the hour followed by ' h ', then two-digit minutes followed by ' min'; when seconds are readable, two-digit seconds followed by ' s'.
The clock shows 3 h 44 min 05 s
